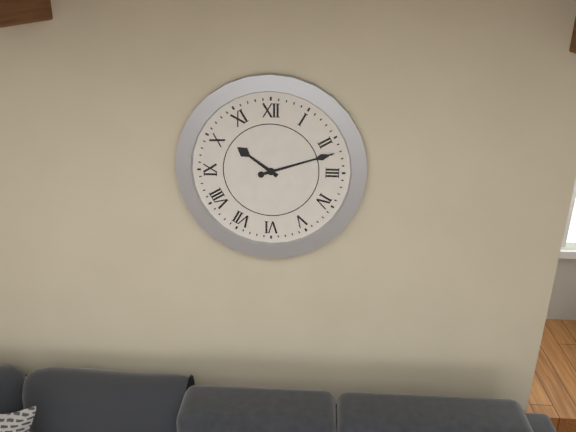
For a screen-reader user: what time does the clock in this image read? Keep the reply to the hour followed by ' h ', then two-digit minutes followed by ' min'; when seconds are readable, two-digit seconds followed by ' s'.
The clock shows 10 h 12 min
